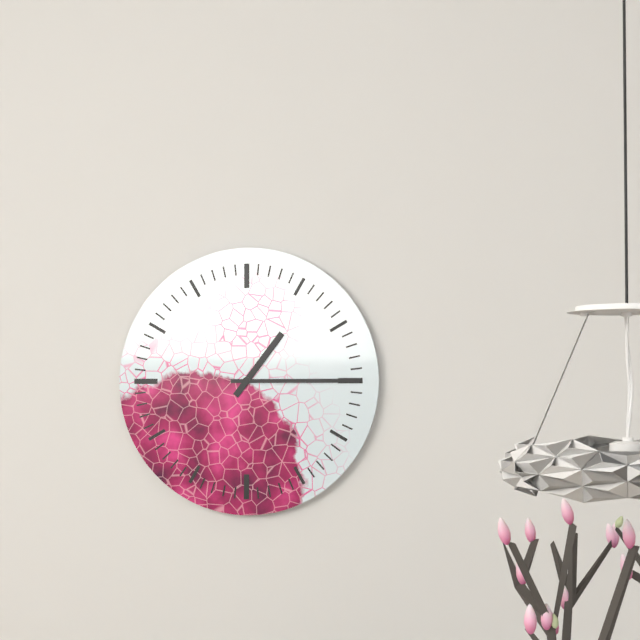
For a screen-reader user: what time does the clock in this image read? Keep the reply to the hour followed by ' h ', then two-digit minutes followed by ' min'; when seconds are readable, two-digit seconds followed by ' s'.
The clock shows 1 h 15 min
